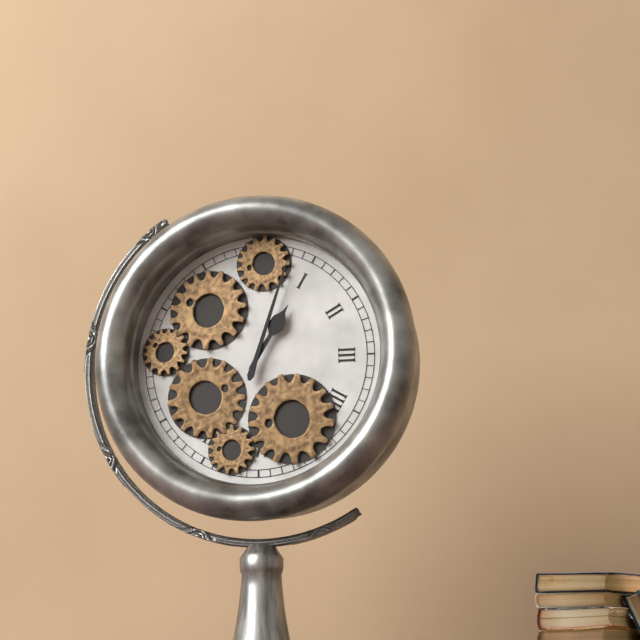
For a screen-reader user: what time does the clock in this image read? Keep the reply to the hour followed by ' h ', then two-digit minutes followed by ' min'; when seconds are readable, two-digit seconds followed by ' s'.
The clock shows 1 h 03 min
